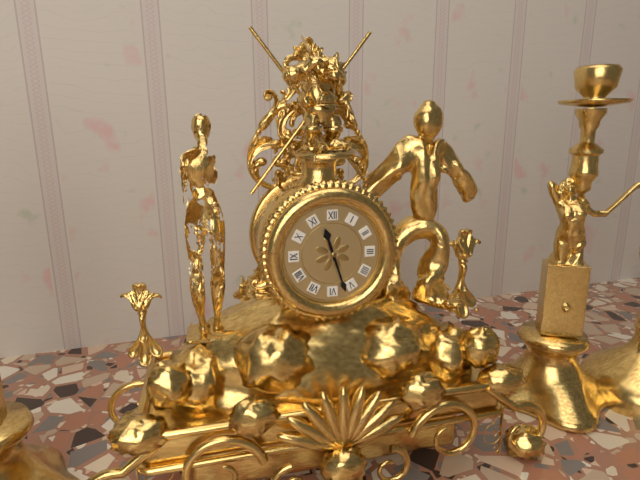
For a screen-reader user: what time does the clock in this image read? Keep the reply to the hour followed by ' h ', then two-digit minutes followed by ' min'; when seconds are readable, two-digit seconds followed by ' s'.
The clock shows 11 h 27 min
